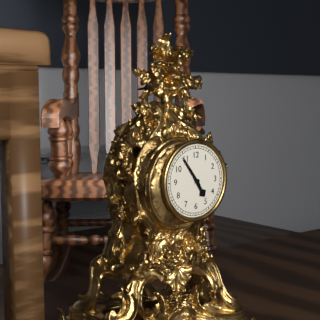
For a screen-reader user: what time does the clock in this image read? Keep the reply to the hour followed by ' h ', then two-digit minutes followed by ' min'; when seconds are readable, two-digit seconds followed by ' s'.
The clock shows 4 h 54 min
